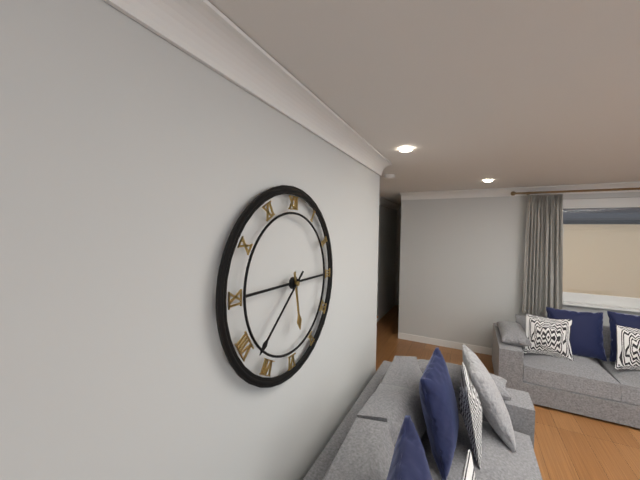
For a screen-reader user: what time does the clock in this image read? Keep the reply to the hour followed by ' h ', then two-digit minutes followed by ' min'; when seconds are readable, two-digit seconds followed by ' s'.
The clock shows 5 h 38 min
